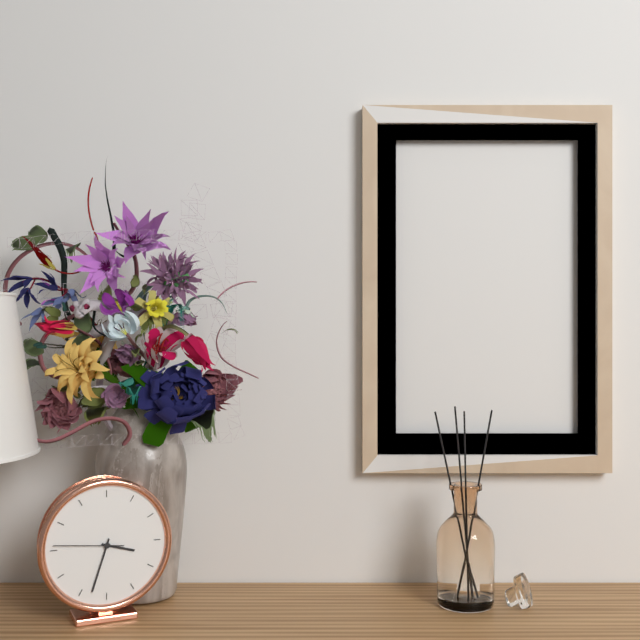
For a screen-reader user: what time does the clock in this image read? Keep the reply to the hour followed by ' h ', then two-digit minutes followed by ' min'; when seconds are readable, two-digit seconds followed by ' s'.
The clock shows 3 h 33 min 46 s
